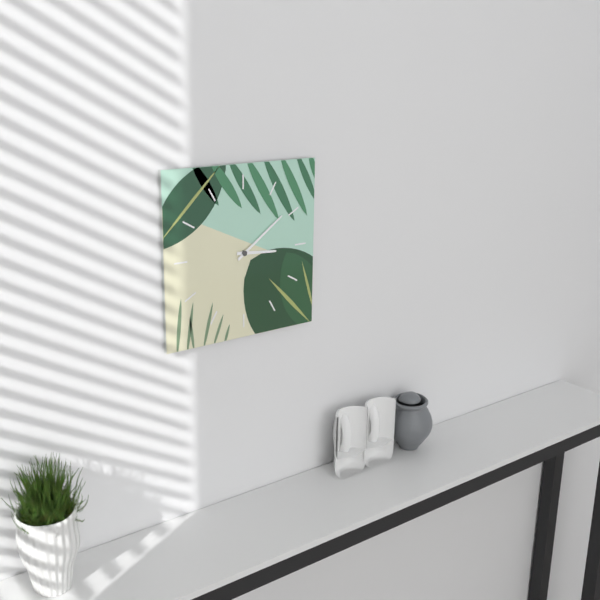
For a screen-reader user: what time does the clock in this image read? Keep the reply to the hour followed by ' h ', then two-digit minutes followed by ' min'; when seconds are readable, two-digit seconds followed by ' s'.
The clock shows 3 h 09 min
